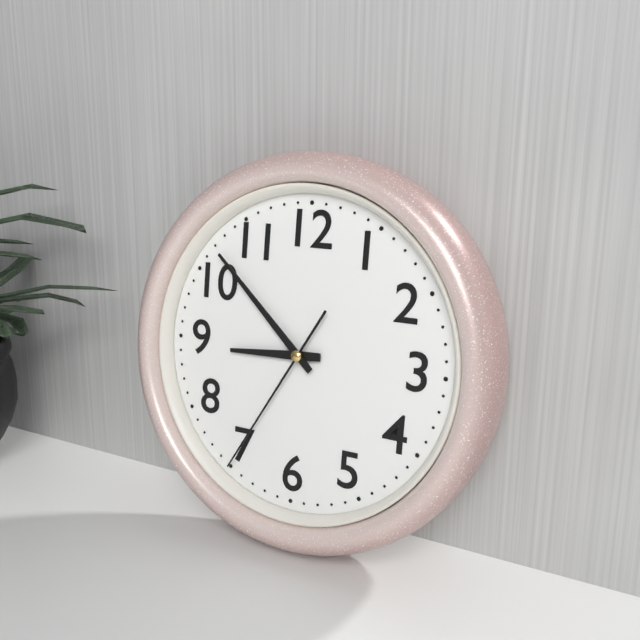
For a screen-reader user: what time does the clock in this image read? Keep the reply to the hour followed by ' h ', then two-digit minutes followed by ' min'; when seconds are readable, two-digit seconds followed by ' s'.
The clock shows 8 h 52 min 35 s
